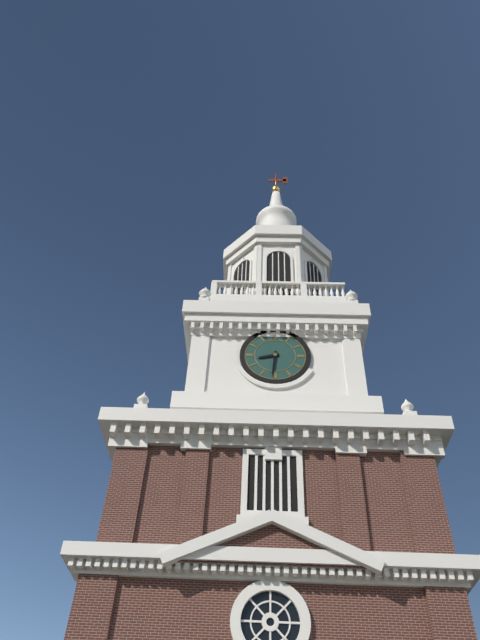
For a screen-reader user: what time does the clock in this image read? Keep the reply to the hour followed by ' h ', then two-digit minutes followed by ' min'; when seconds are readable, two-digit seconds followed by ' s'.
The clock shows 8 h 31 min
